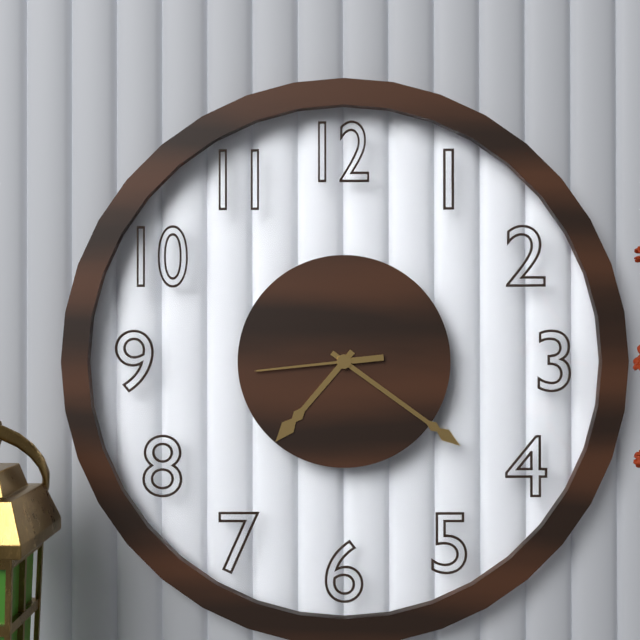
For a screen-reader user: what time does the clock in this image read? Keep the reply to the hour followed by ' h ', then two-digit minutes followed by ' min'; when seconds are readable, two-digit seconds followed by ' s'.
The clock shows 7 h 21 min 44 s
